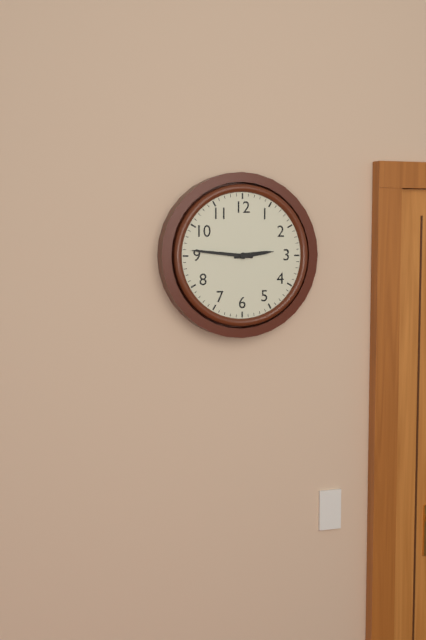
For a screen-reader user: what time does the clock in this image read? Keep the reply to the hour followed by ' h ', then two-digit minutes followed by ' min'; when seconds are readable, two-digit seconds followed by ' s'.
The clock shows 2 h 46 min
